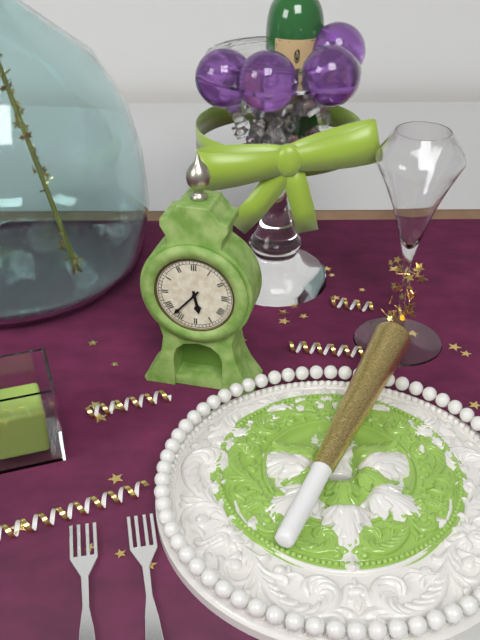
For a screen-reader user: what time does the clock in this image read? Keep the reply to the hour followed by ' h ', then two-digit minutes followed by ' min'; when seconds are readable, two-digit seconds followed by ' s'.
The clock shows 5 h 37 min
